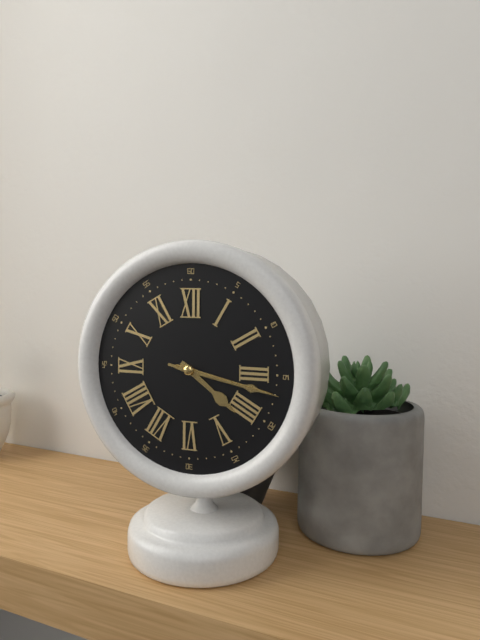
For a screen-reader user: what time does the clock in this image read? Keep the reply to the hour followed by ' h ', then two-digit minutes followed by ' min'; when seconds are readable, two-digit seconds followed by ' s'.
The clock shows 4 h 17 min 17 s
